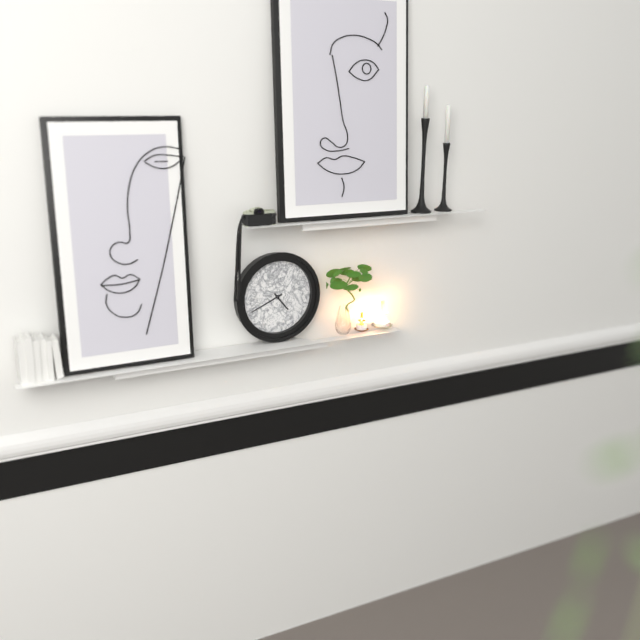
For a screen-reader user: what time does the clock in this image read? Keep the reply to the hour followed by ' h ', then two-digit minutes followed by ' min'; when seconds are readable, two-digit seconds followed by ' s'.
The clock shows 4 h 41 min
